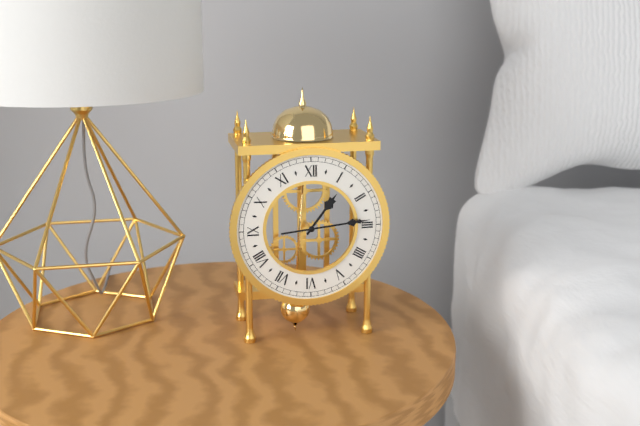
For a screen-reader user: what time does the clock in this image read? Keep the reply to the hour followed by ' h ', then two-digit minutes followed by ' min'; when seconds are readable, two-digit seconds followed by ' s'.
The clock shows 1 h 14 min
